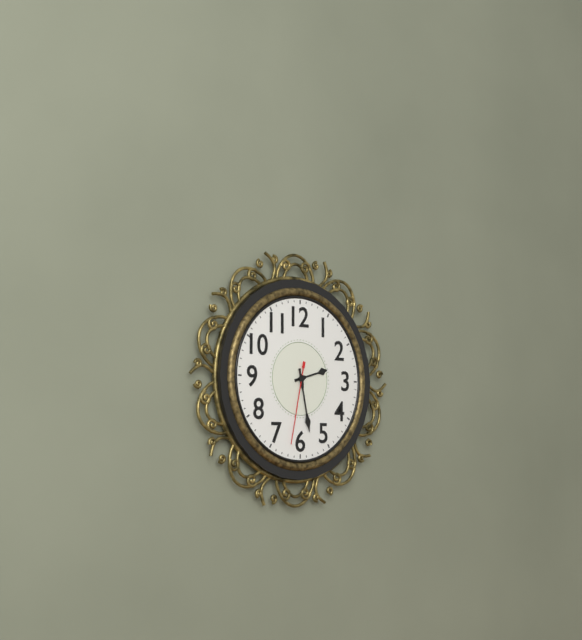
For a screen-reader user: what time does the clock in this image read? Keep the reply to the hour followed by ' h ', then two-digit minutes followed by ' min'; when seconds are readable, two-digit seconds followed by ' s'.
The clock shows 2 h 28 min 32 s
